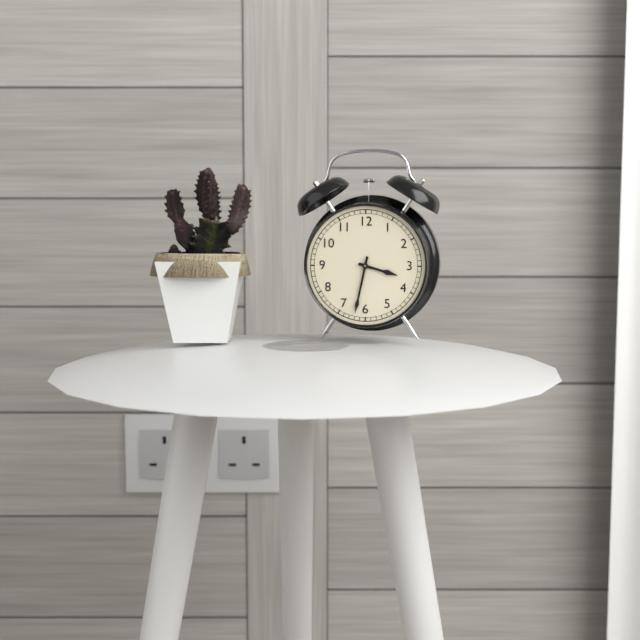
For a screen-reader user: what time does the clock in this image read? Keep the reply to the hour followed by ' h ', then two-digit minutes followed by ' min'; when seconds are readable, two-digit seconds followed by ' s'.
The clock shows 3 h 32 min
